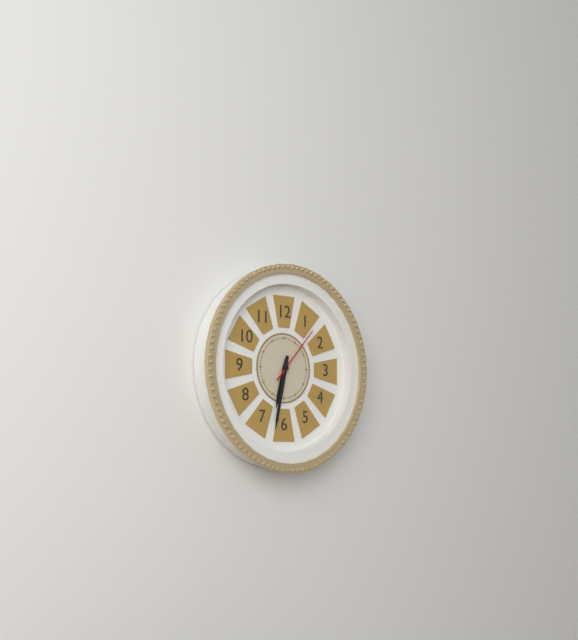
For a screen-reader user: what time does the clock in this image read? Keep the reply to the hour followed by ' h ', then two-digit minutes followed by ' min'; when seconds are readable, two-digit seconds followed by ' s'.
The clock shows 6 h 32 min 07 s
